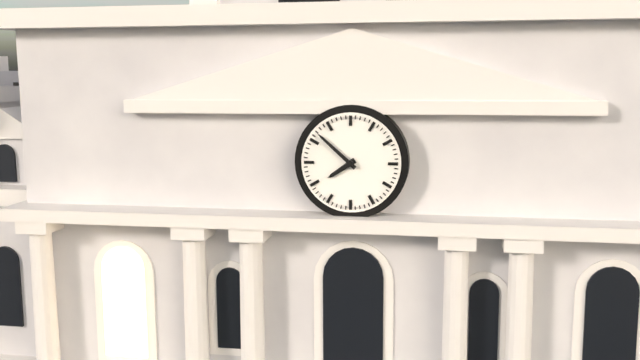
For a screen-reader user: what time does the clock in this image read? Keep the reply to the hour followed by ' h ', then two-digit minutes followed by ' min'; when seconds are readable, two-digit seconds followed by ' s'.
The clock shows 7 h 52 min
